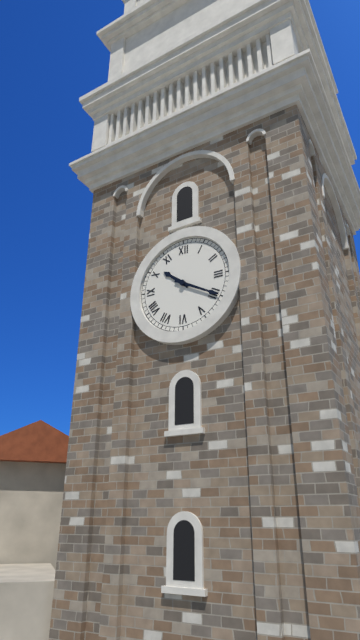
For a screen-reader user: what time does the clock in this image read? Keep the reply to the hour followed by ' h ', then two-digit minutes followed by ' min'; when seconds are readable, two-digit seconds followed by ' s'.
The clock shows 10 h 20 min
